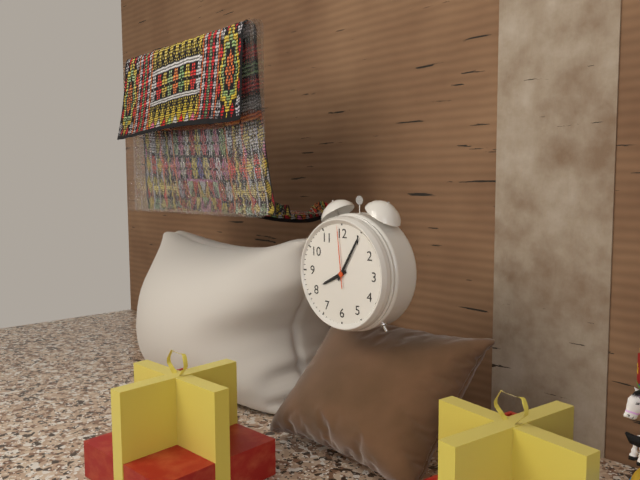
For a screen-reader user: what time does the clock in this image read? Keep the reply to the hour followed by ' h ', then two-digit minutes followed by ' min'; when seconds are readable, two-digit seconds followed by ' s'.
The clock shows 8 h 05 min 59 s
